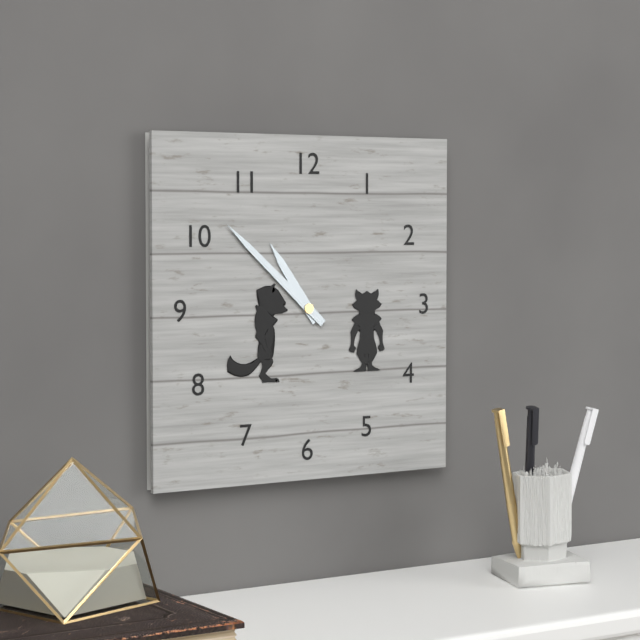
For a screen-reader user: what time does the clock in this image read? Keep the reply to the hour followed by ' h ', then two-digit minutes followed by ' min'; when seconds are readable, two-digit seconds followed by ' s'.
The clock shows 10 h 52 min
